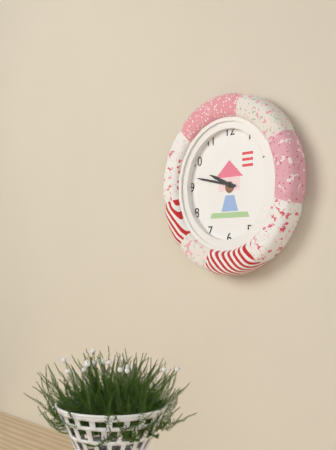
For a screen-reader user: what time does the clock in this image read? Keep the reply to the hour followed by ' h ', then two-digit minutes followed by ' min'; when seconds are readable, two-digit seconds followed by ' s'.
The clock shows 9 h 47 min
